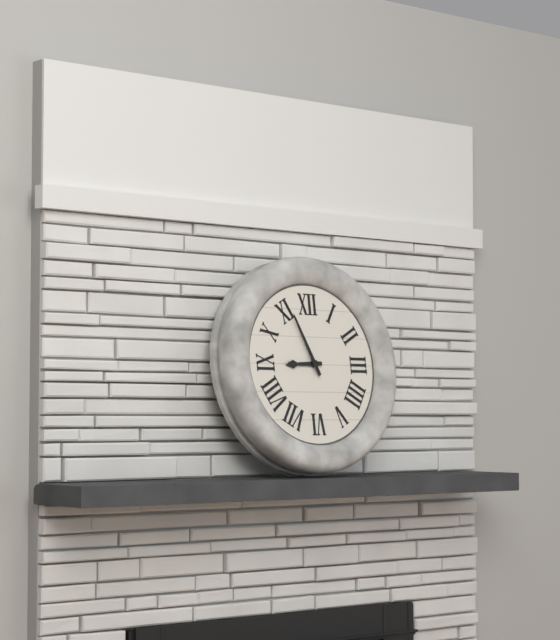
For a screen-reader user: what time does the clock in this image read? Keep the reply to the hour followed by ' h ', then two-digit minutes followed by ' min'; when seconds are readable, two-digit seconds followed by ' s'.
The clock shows 8 h 56 min
